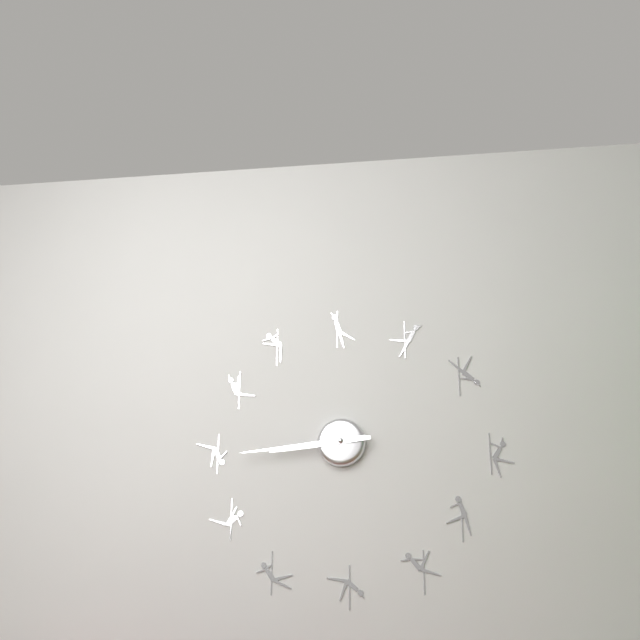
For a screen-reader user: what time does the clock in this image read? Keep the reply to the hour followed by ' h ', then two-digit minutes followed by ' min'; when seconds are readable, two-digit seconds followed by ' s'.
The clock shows 8 h 44 min
